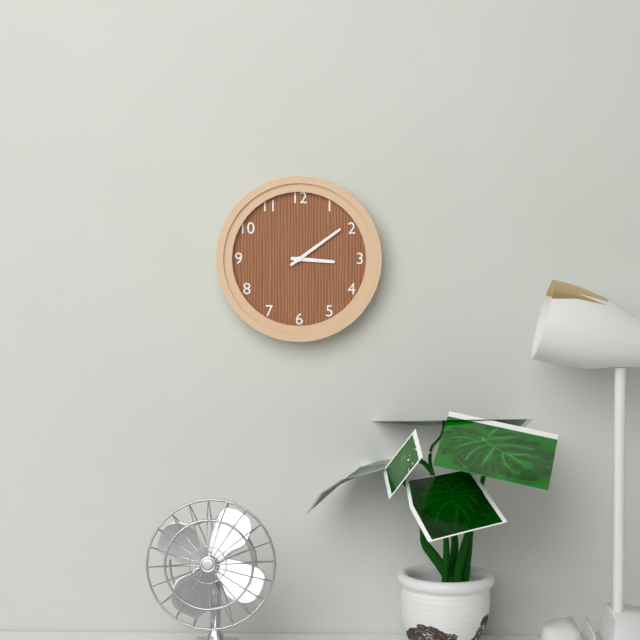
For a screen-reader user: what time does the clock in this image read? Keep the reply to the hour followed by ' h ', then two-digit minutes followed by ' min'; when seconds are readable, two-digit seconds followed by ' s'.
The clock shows 3 h 09 min
